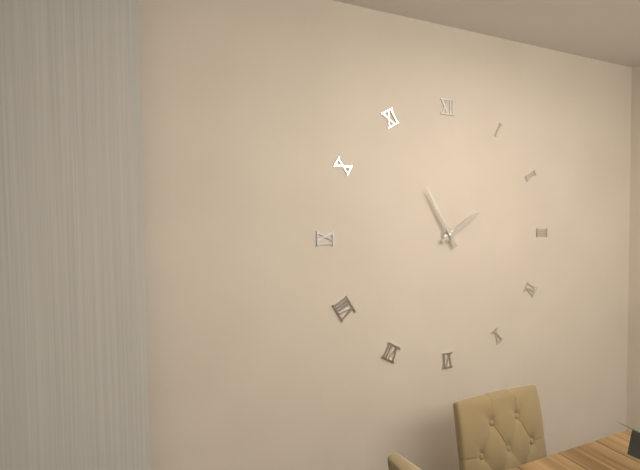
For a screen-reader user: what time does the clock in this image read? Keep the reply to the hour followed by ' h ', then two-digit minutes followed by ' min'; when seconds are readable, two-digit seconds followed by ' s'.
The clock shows 1 h 55 min
